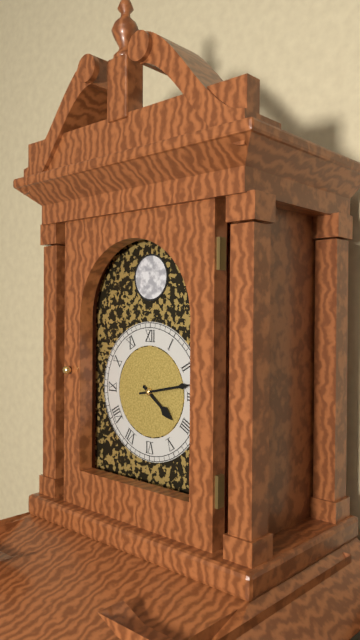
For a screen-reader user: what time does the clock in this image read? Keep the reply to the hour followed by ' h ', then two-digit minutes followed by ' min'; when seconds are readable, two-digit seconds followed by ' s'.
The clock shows 4 h 13 min
